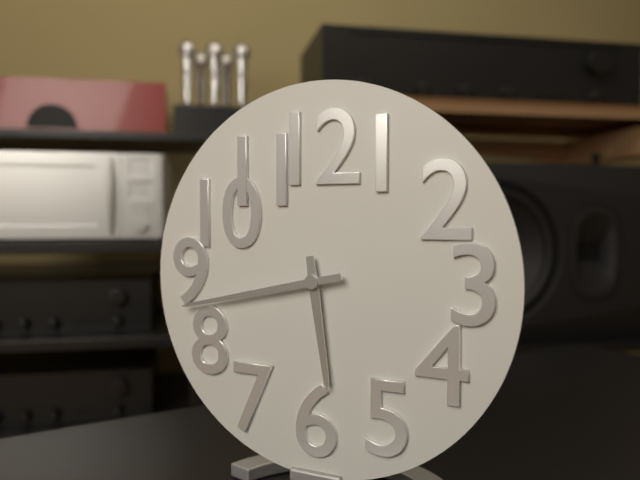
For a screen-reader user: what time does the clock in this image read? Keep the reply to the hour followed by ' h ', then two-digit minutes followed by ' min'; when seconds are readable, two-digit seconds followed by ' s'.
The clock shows 5 h 43 min
